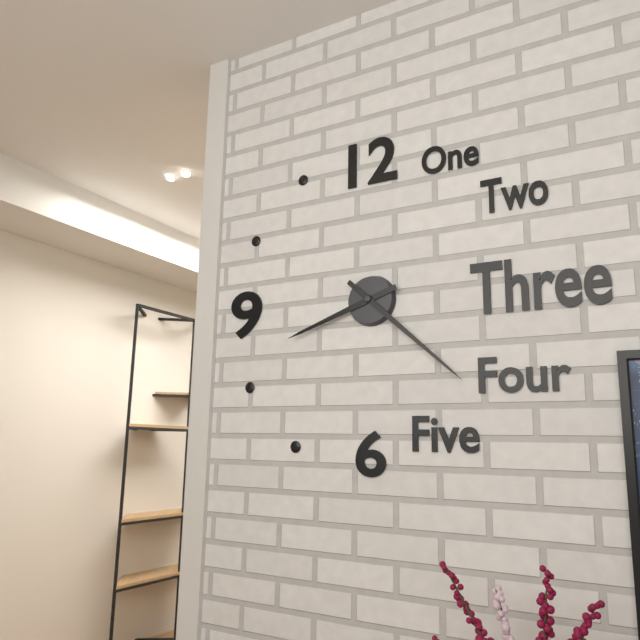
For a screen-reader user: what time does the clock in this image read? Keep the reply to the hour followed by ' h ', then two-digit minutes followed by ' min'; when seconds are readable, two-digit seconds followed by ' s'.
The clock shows 8 h 22 min
